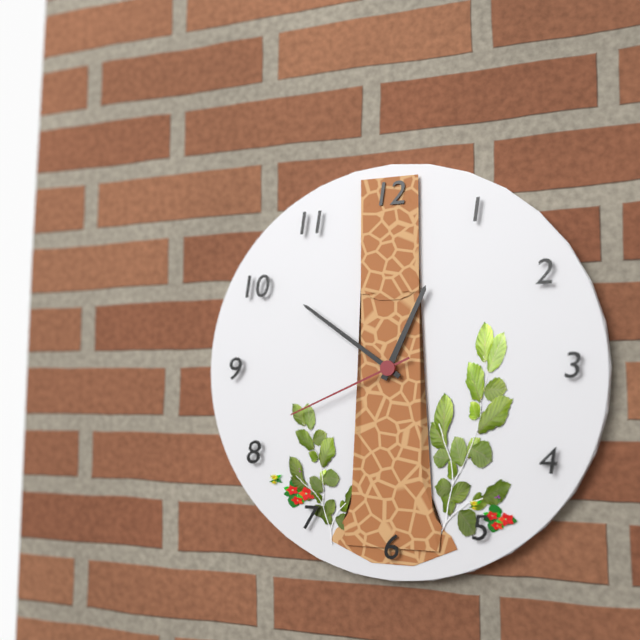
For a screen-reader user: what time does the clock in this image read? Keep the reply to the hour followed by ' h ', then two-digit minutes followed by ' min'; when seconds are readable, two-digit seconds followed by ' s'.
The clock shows 12 h 51 min 41 s
